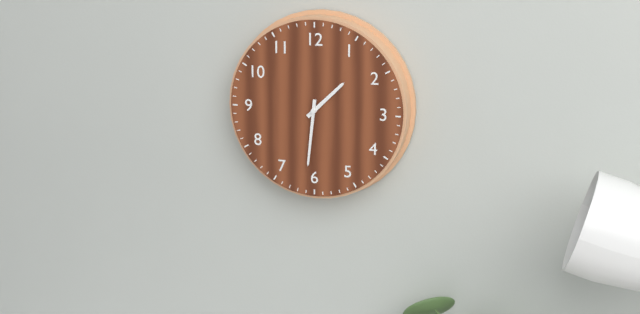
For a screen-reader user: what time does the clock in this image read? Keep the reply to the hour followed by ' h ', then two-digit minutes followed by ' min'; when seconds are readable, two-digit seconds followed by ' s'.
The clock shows 1 h 31 min
